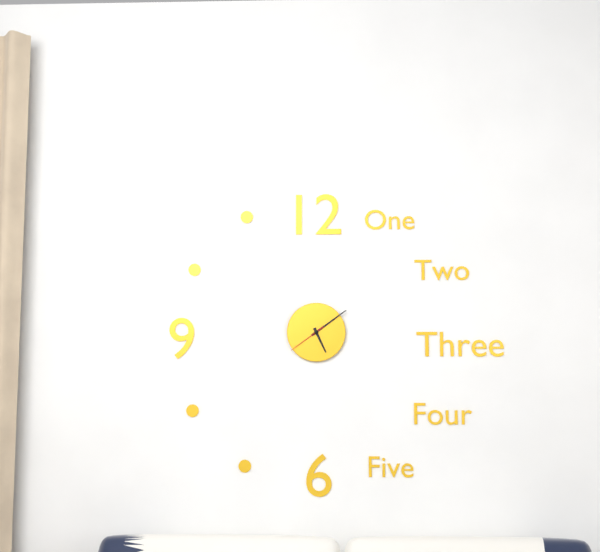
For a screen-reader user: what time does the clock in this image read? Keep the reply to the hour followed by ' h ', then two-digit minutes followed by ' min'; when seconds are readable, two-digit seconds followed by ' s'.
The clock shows 5 h 09 min
